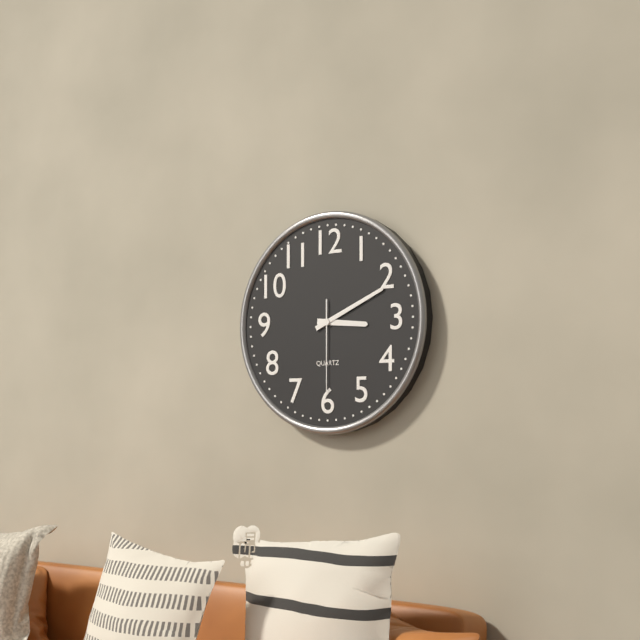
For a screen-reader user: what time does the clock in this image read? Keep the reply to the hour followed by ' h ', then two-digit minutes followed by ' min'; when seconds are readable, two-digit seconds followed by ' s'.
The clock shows 3 h 11 min 30 s
